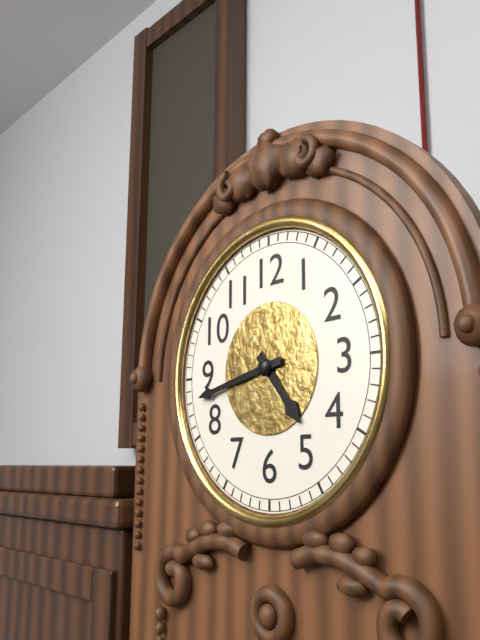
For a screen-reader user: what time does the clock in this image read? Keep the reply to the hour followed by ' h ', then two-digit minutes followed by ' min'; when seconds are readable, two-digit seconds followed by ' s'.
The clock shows 4 h 43 min
